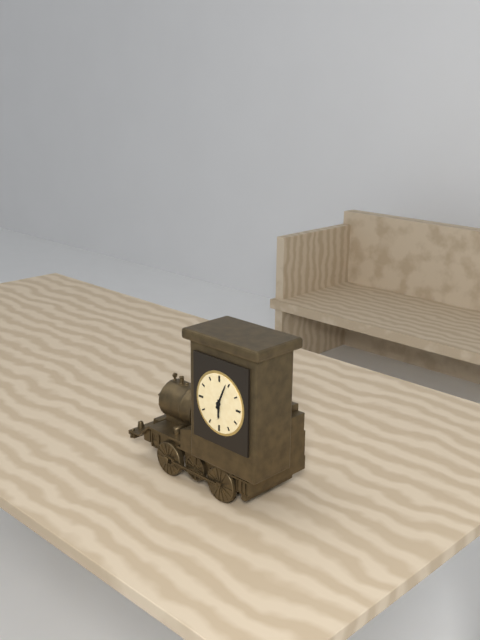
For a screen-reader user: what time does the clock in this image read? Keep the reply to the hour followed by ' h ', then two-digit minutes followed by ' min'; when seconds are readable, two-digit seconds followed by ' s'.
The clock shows 6 h 04 min
